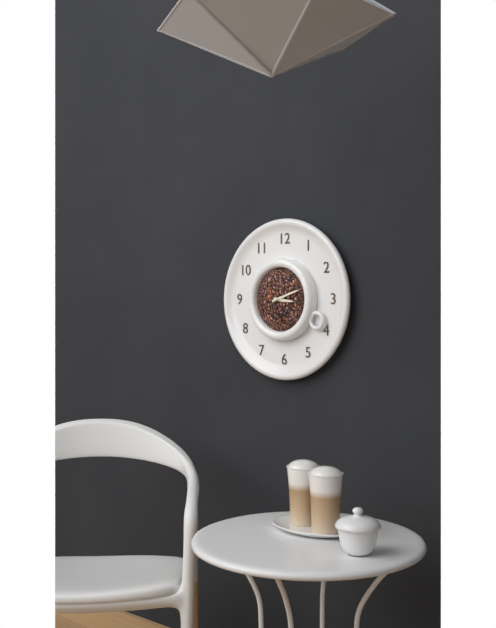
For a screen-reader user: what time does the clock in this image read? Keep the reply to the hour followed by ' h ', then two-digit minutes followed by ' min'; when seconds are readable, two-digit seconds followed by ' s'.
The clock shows 3 h 12 min
